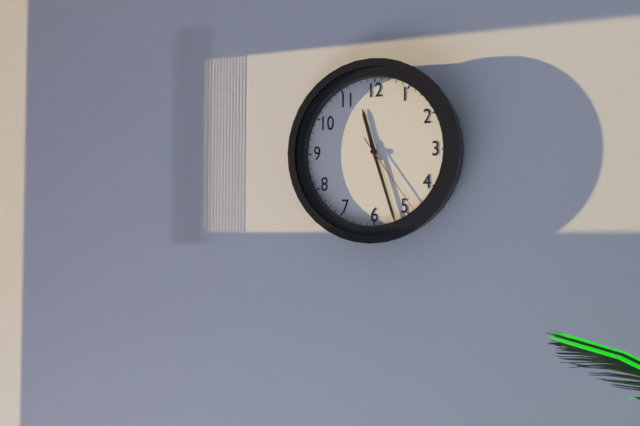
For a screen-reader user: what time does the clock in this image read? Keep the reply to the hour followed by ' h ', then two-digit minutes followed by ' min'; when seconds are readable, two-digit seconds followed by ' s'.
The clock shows 11 h 27 min 24 s
